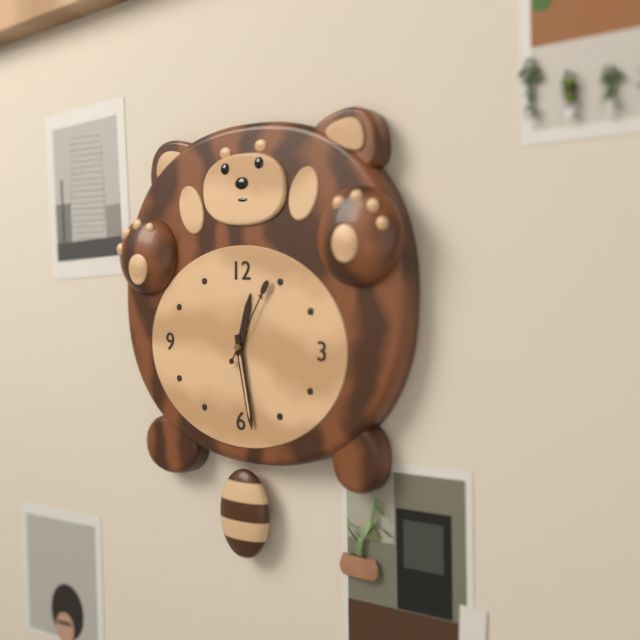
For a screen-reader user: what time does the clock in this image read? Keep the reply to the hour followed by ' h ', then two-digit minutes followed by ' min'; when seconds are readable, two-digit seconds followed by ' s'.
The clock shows 12 h 28 min 05 s
